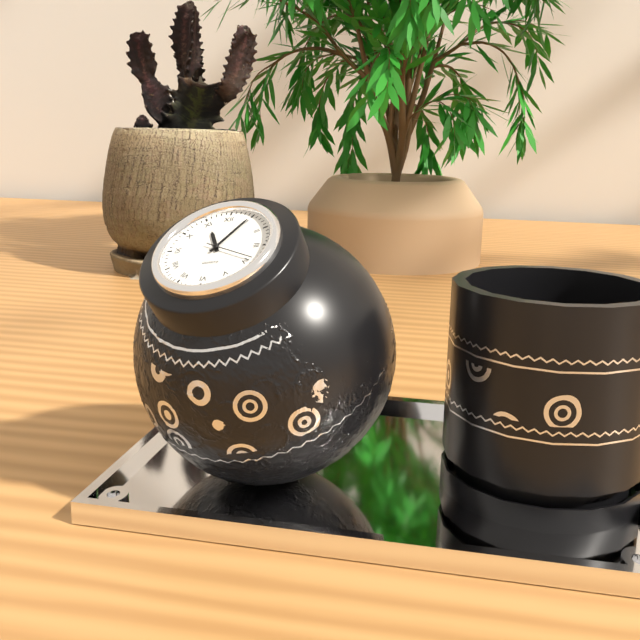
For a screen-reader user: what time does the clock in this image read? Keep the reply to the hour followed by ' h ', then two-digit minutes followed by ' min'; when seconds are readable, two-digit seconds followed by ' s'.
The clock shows 11 h 05 min 19 s
